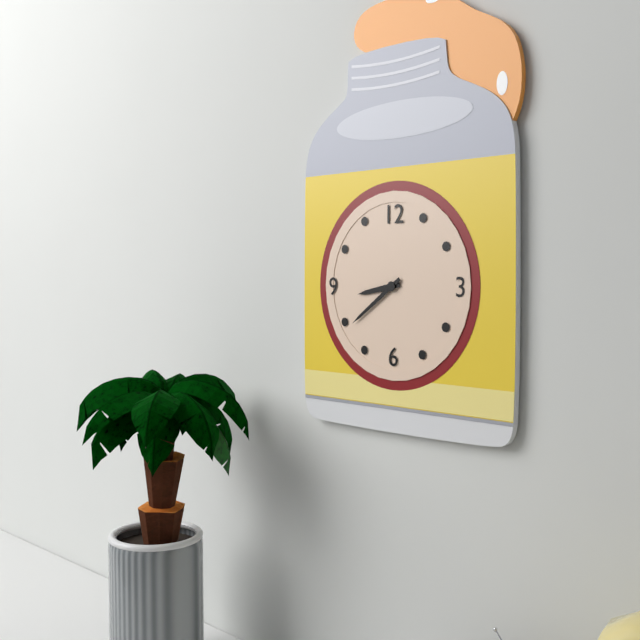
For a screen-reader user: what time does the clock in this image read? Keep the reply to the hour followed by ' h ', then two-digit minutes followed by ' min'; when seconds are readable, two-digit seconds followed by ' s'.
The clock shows 8 h 39 min
